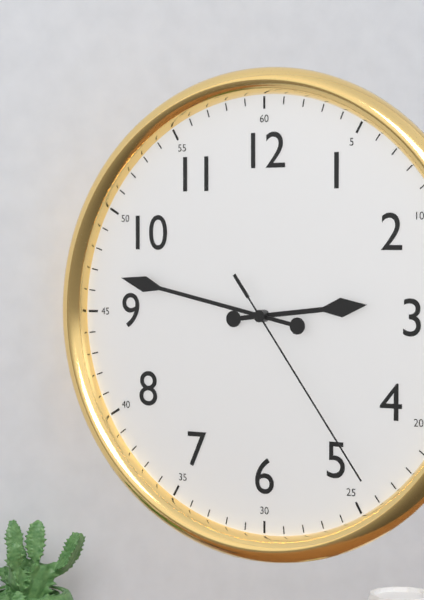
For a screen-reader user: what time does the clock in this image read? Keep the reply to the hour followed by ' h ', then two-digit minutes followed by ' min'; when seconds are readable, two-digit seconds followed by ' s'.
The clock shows 2 h 47 min 24 s
